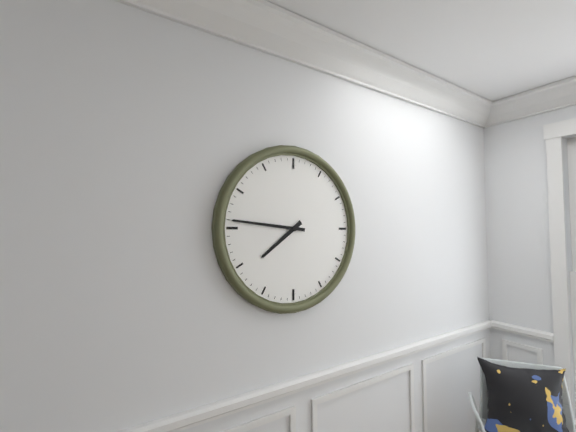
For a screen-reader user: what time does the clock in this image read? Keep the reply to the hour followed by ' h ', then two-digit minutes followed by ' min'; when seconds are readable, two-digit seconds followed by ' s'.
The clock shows 7 h 46 min
